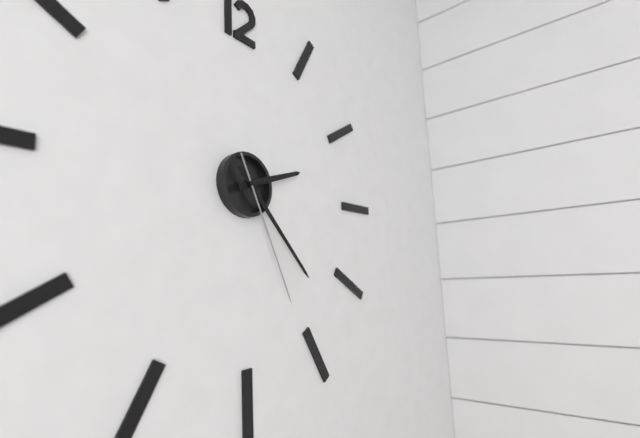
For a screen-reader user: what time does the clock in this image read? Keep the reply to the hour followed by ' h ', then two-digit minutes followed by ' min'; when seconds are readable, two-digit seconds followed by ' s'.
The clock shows 2 h 23 min 26 s
